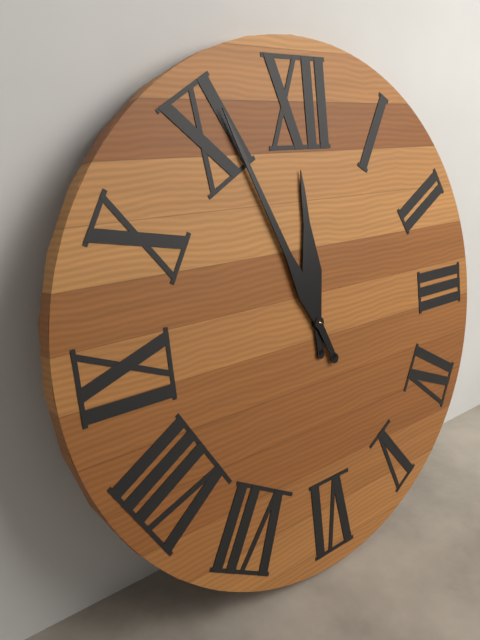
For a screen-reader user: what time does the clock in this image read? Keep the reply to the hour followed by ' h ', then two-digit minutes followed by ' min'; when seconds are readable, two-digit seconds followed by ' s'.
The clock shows 11 h 56 min
